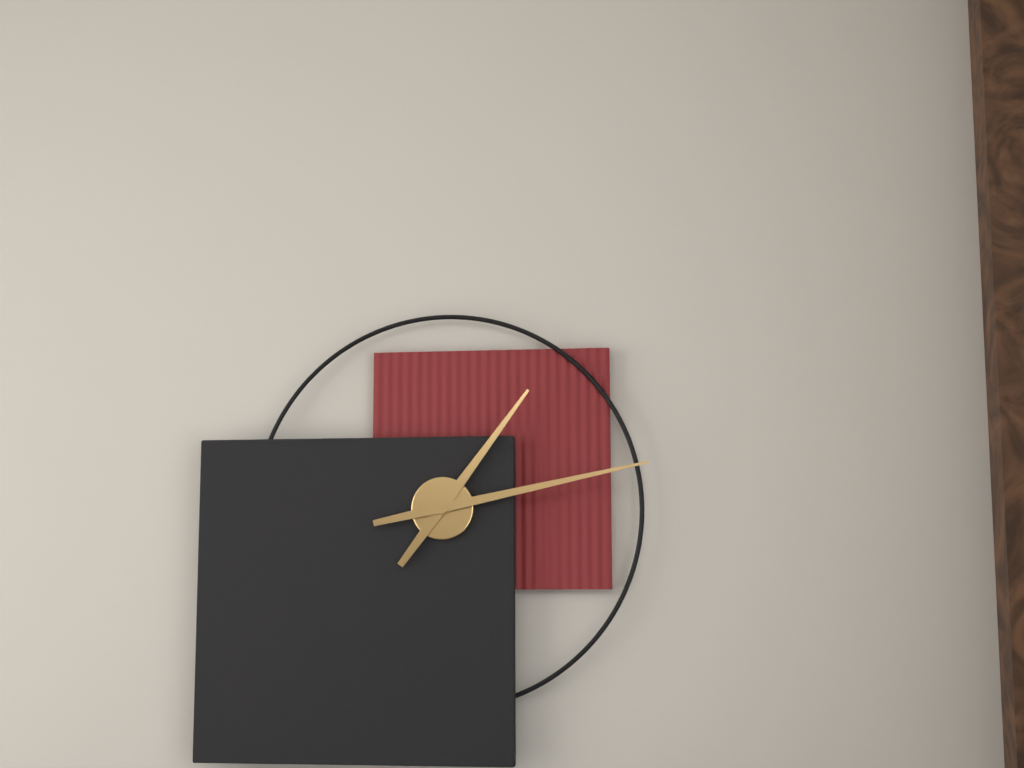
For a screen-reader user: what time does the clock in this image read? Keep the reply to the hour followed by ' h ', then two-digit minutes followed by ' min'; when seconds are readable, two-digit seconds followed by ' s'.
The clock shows 1 h 13 min
